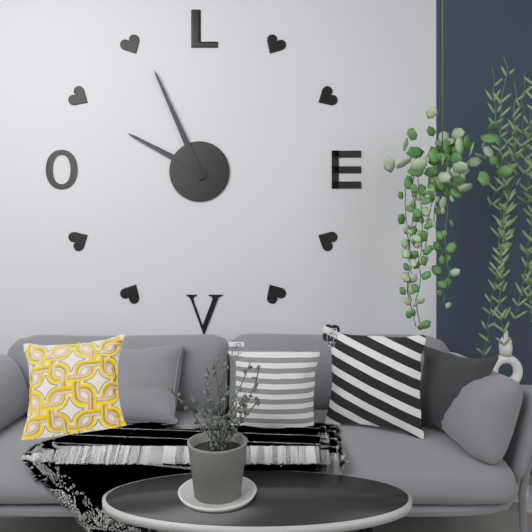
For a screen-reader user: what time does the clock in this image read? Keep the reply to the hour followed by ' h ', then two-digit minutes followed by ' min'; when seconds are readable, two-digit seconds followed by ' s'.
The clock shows 9 h 56 min
